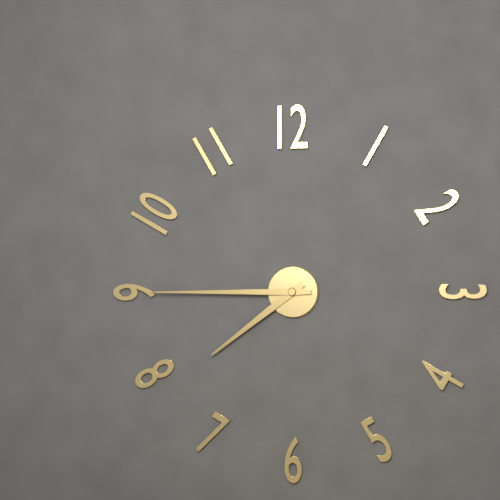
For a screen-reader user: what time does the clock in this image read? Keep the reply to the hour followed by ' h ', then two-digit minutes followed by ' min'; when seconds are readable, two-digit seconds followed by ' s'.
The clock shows 7 h 45 min
